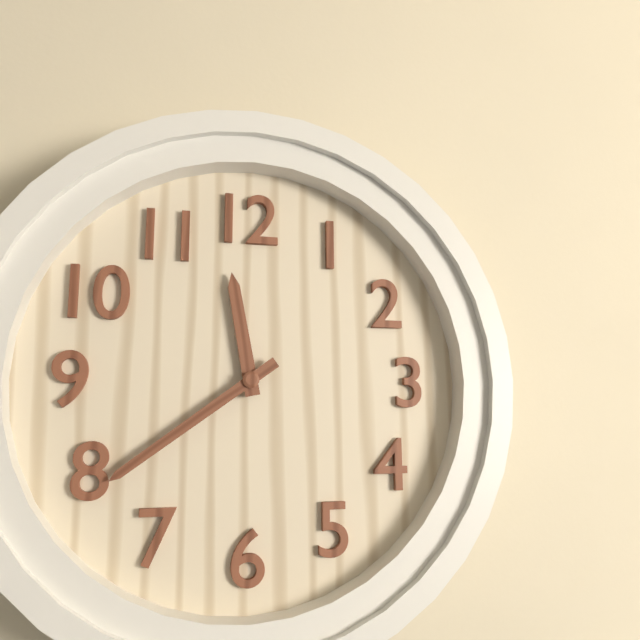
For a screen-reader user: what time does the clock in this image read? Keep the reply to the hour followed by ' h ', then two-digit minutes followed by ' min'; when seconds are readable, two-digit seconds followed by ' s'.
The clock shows 11 h 39 min
